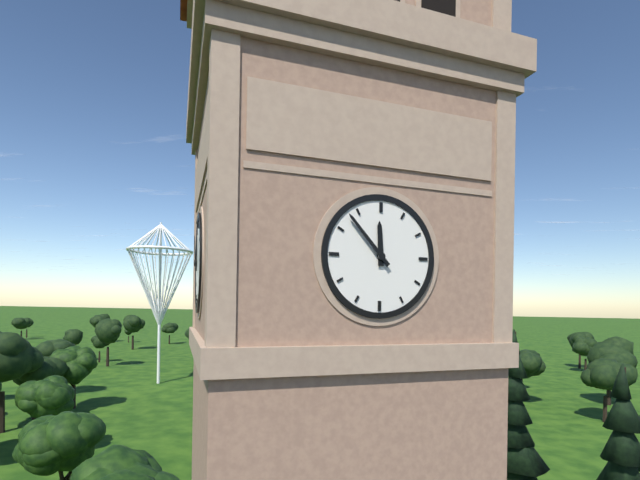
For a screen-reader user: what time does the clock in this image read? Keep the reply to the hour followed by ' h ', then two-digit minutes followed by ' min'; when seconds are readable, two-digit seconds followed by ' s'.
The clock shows 11 h 53 min
